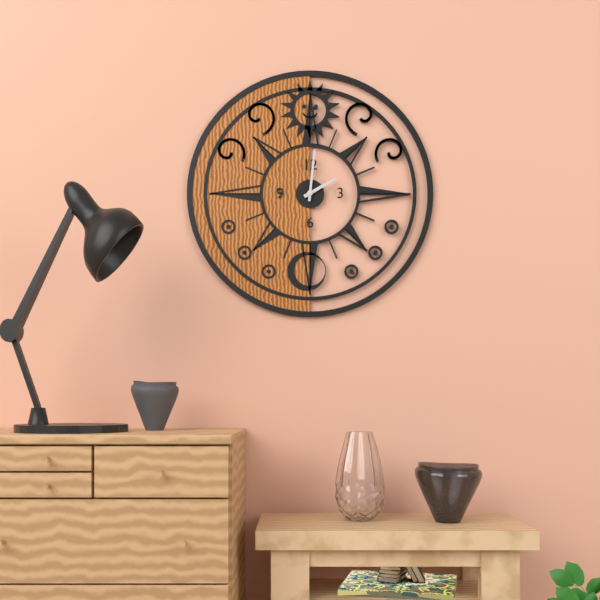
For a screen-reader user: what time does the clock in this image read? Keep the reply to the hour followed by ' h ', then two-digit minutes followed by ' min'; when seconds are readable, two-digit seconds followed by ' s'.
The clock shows 2 h 01 min
